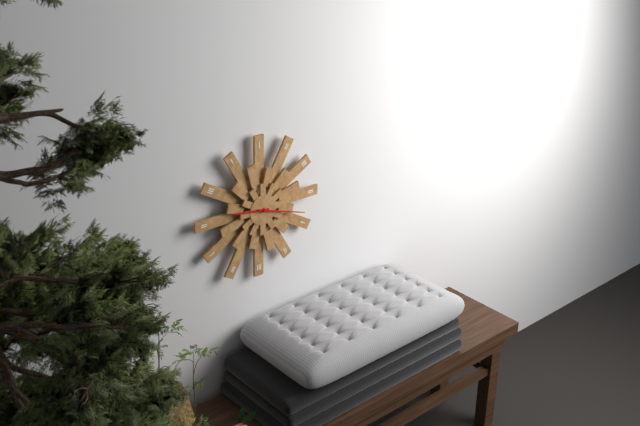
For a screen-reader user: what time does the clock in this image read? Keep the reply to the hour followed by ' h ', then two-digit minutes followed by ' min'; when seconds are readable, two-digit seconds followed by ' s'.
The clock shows 9 h 18 min
